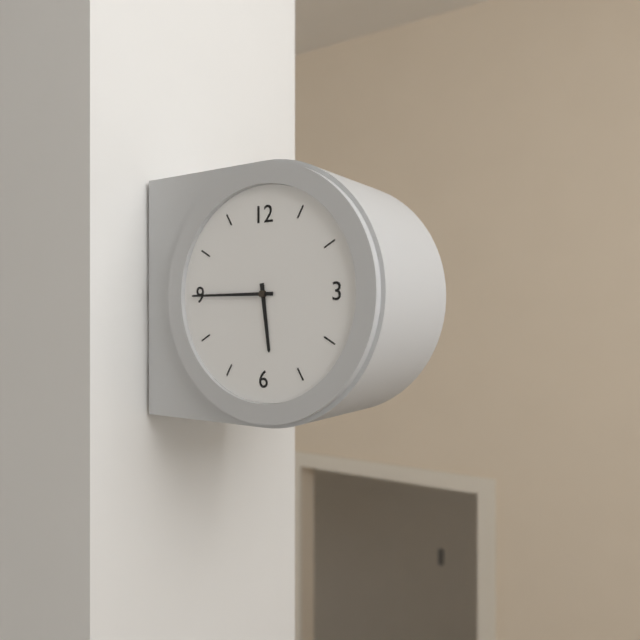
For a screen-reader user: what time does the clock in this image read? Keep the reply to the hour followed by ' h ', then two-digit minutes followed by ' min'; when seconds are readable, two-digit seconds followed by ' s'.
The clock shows 5 h 45 min
